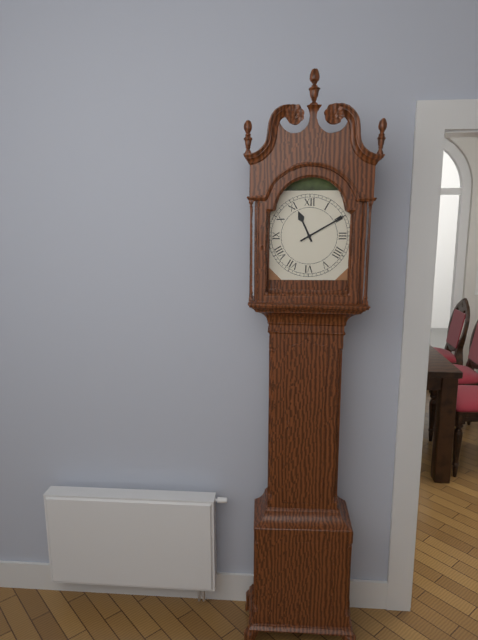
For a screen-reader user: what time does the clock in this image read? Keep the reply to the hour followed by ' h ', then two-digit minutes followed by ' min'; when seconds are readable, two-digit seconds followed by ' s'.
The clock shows 11 h 10 min
